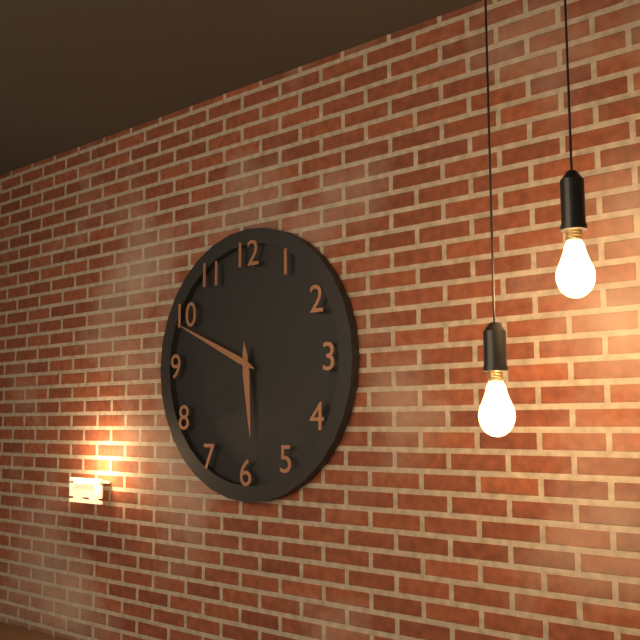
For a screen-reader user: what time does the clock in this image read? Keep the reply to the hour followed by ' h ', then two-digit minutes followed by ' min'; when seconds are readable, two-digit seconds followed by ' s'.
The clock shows 5 h 49 min
